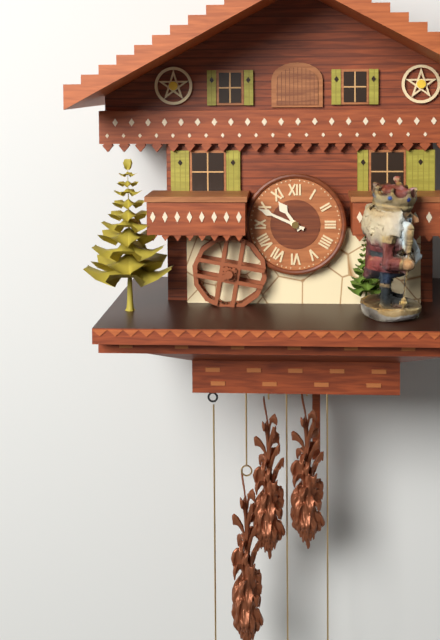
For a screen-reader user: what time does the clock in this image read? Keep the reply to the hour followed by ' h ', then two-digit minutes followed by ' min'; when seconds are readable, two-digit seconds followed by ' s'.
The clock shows 10 h 49 min
